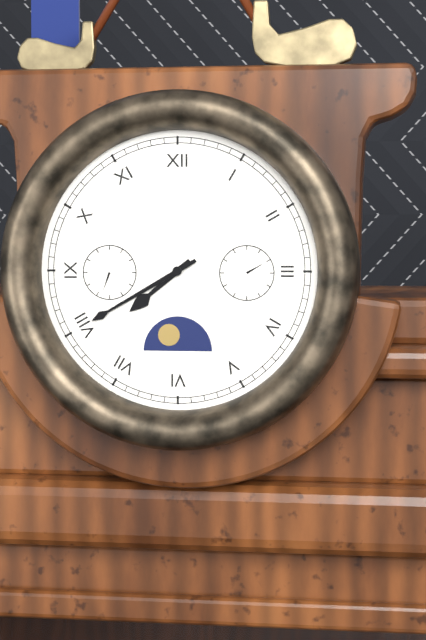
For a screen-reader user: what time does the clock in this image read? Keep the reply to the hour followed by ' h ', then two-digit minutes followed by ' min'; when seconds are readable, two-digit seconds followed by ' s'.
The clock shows 7 h 40 min
